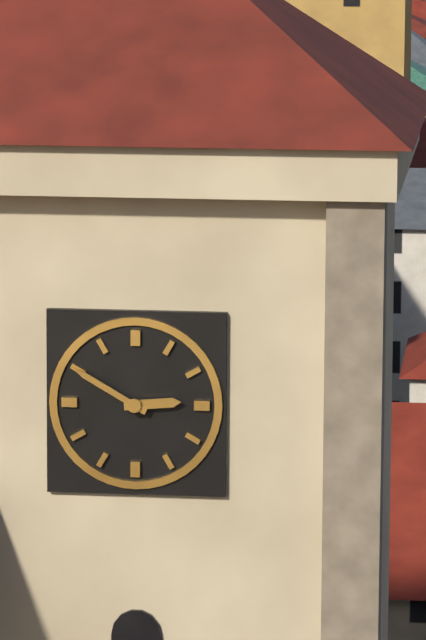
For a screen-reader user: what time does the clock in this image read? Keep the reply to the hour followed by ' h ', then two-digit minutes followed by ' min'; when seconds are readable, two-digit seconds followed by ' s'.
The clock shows 2 h 50 min
